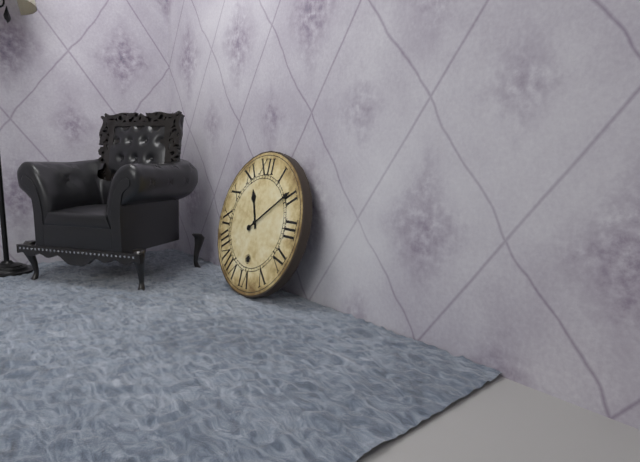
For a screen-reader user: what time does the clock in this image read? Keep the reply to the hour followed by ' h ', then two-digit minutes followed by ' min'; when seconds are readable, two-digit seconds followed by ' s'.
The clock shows 11 h 09 min
